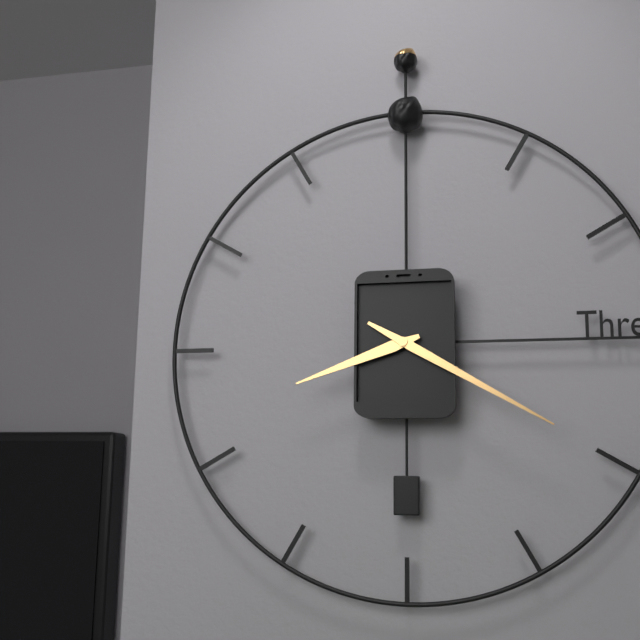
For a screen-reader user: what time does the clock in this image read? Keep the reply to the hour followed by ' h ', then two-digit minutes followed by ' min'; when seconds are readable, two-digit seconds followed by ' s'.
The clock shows 8 h 20 min
